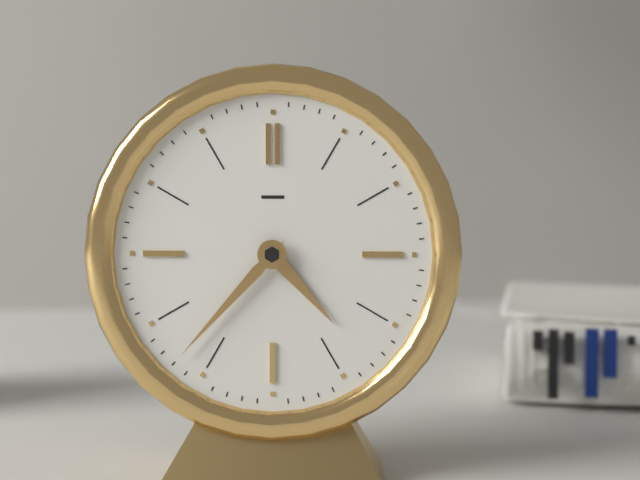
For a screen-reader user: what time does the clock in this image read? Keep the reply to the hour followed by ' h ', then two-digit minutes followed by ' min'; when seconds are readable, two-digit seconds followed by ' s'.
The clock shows 4 h 37 min
